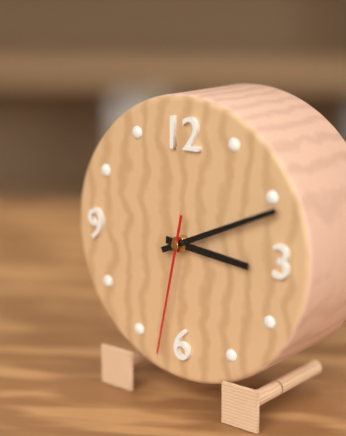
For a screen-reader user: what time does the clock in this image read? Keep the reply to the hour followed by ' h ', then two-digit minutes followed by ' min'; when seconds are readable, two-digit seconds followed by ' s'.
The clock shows 3 h 11 min 32 s
